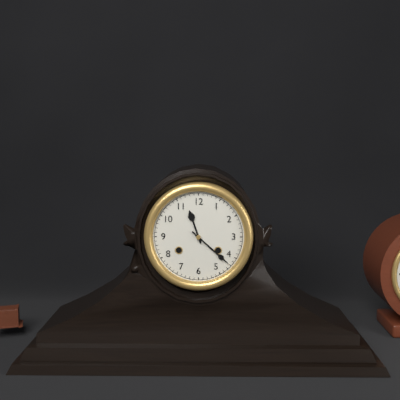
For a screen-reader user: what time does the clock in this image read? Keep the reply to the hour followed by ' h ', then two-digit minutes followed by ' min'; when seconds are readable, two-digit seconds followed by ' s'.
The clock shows 11 h 22 min
